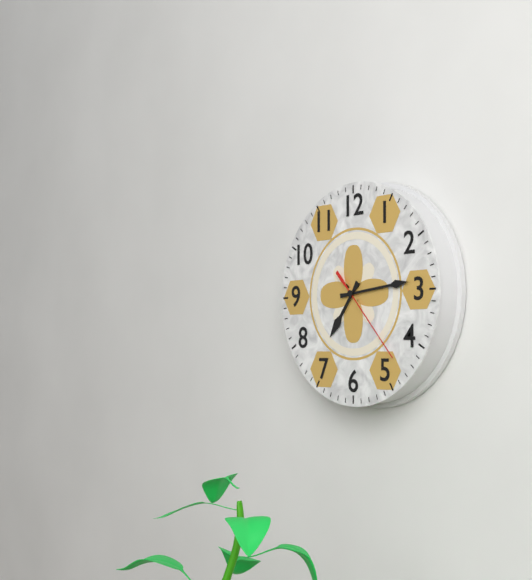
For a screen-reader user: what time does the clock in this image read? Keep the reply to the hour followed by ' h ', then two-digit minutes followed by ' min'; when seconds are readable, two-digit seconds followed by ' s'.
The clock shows 7 h 14 min 23 s
